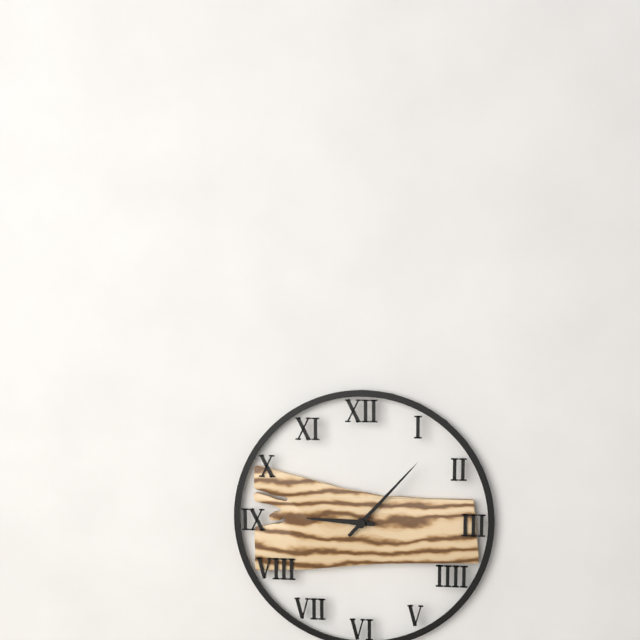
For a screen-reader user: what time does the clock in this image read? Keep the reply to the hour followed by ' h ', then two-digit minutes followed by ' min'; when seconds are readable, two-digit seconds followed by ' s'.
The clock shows 9 h 07 min
